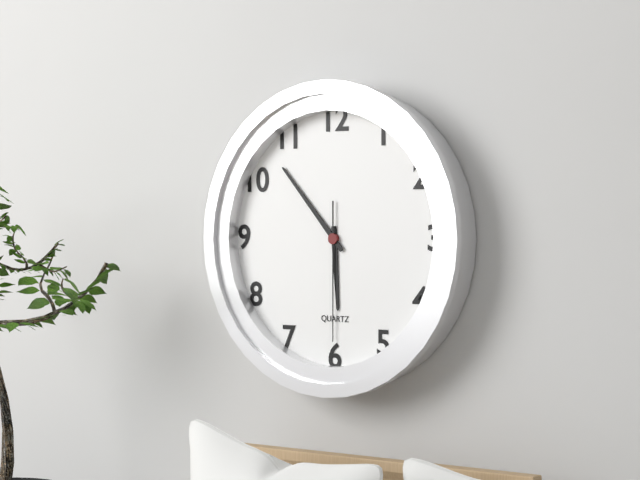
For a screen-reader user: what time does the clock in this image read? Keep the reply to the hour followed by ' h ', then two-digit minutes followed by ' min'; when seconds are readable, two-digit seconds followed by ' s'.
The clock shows 5 h 53 min 30 s
